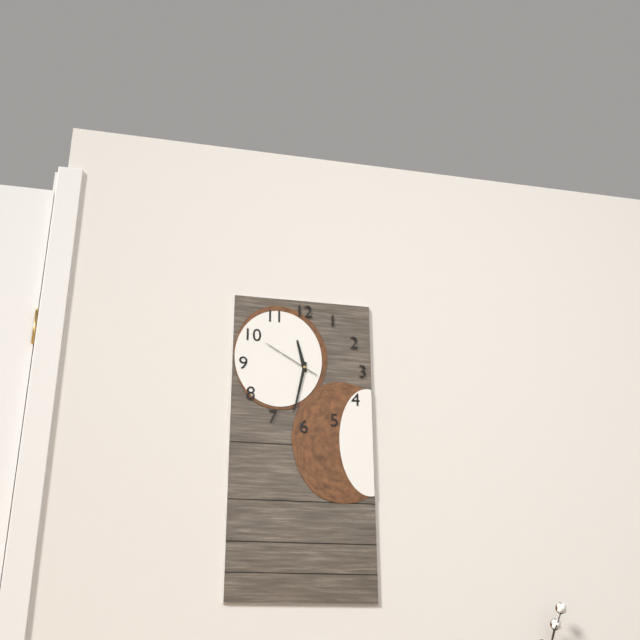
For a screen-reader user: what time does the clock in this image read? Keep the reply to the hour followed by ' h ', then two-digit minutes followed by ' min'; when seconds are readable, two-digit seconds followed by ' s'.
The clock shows 11 h 32 min 50 s
